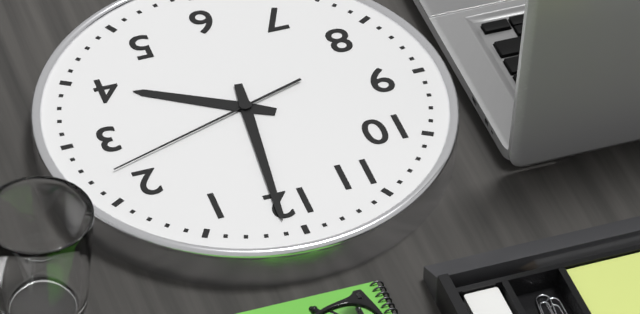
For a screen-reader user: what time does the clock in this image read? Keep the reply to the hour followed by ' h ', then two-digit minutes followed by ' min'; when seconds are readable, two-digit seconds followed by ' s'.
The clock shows 4 h 01 min 12 s
